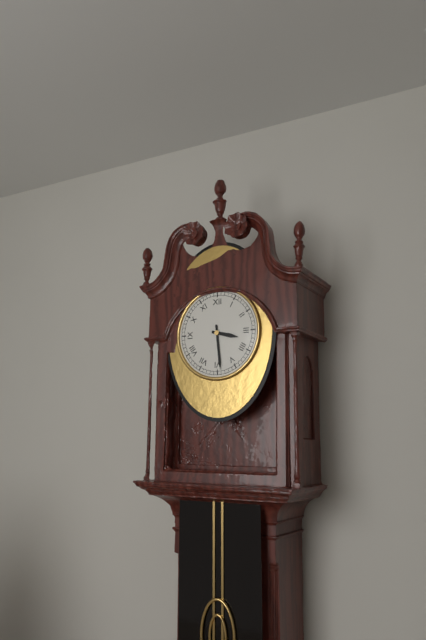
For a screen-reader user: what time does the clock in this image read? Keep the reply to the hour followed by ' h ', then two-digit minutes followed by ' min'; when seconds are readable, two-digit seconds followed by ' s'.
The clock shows 3 h 29 min
